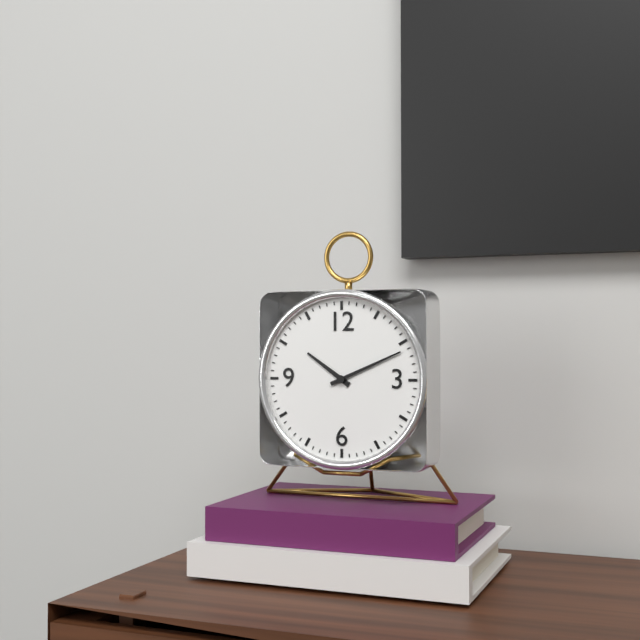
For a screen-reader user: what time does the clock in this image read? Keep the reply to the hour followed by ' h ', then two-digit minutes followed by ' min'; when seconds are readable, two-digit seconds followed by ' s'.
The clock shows 10 h 11 min
